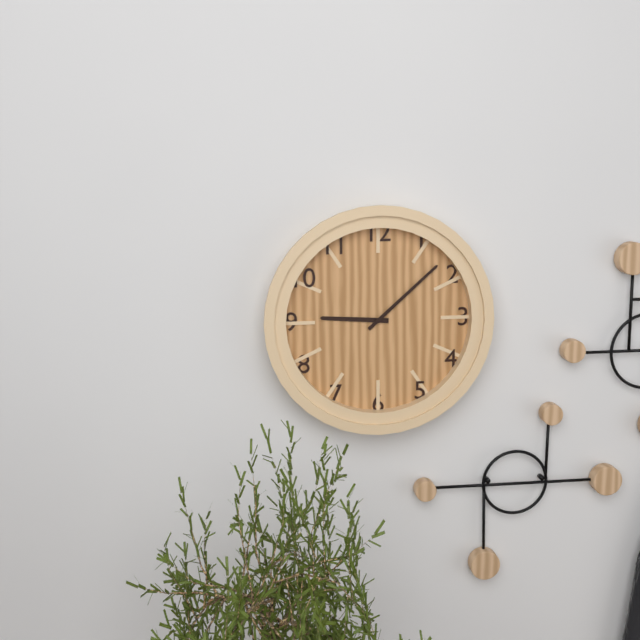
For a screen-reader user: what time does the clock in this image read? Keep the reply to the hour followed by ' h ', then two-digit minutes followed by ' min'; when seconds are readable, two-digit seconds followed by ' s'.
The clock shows 9 h 08 min
